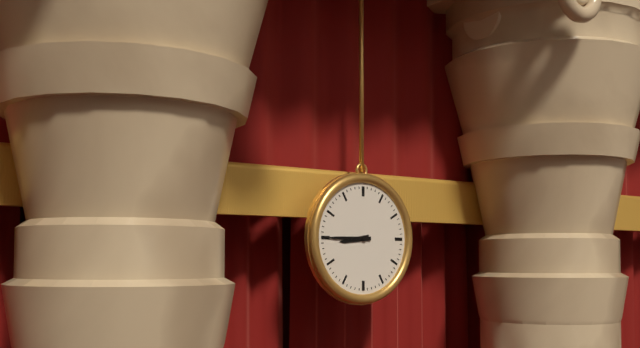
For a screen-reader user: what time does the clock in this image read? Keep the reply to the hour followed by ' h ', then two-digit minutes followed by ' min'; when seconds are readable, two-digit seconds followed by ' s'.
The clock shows 8 h 45 min
